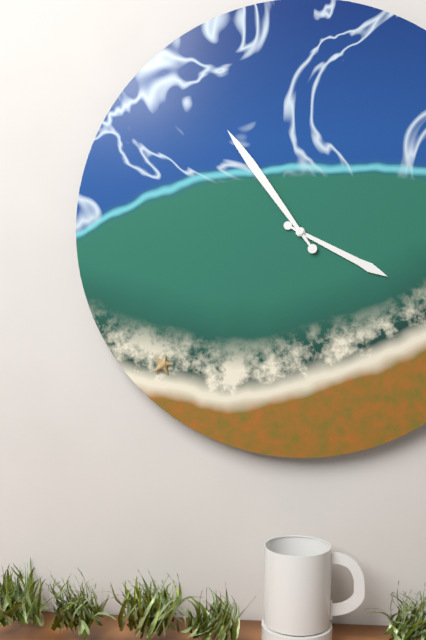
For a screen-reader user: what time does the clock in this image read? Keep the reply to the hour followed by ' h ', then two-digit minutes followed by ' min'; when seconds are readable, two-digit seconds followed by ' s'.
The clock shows 3 h 54 min
